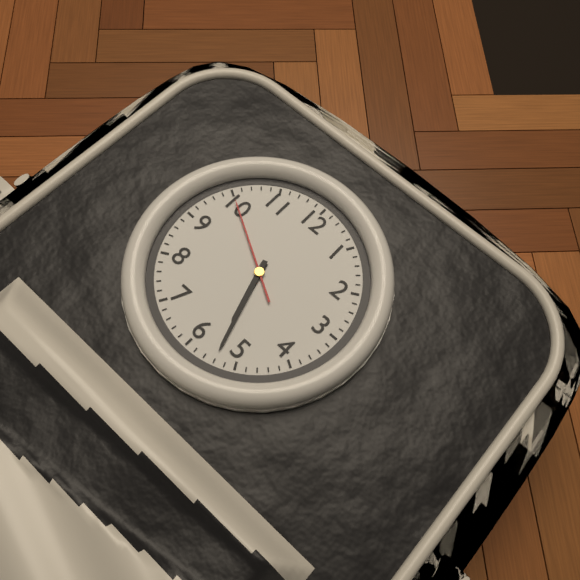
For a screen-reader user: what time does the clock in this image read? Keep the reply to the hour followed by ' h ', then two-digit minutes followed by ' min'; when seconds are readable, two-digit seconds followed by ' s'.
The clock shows 5 h 27 min 50 s
